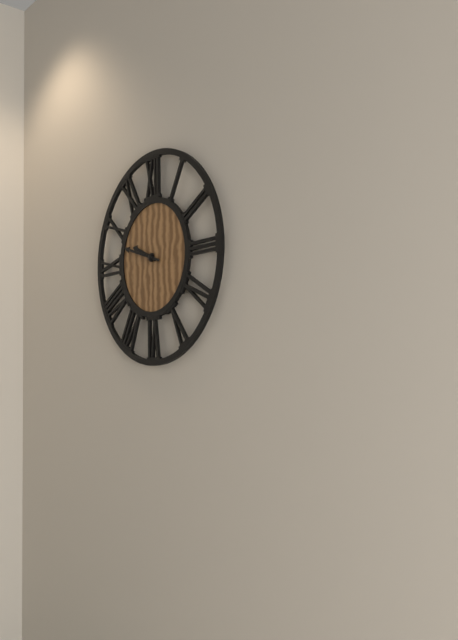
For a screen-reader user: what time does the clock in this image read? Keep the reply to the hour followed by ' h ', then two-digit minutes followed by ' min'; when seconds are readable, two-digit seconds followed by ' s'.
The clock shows 9 h 48 min
